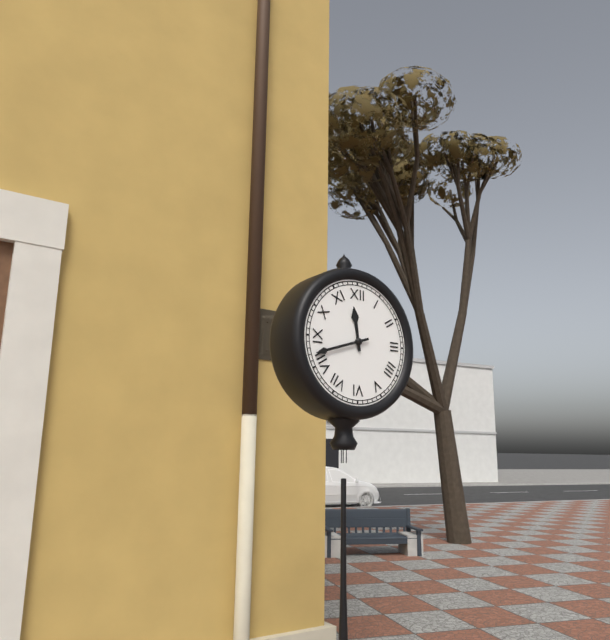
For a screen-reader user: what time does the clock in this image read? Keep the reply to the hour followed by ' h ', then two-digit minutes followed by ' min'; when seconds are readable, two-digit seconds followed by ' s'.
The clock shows 11 h 42 min
